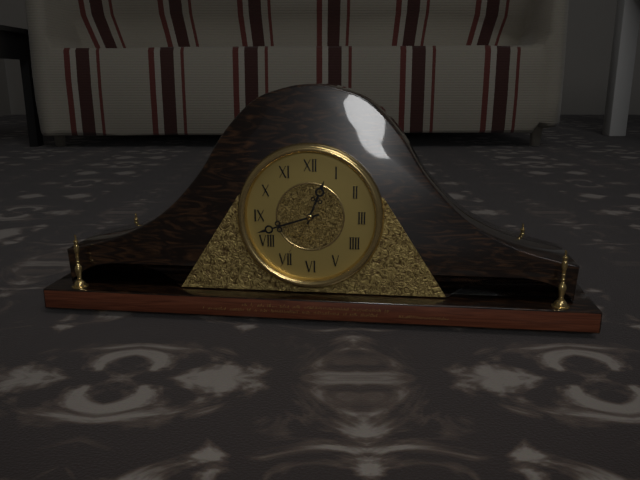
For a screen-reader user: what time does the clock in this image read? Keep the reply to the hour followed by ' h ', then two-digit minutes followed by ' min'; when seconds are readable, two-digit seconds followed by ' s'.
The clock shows 12 h 42 min 35 s
